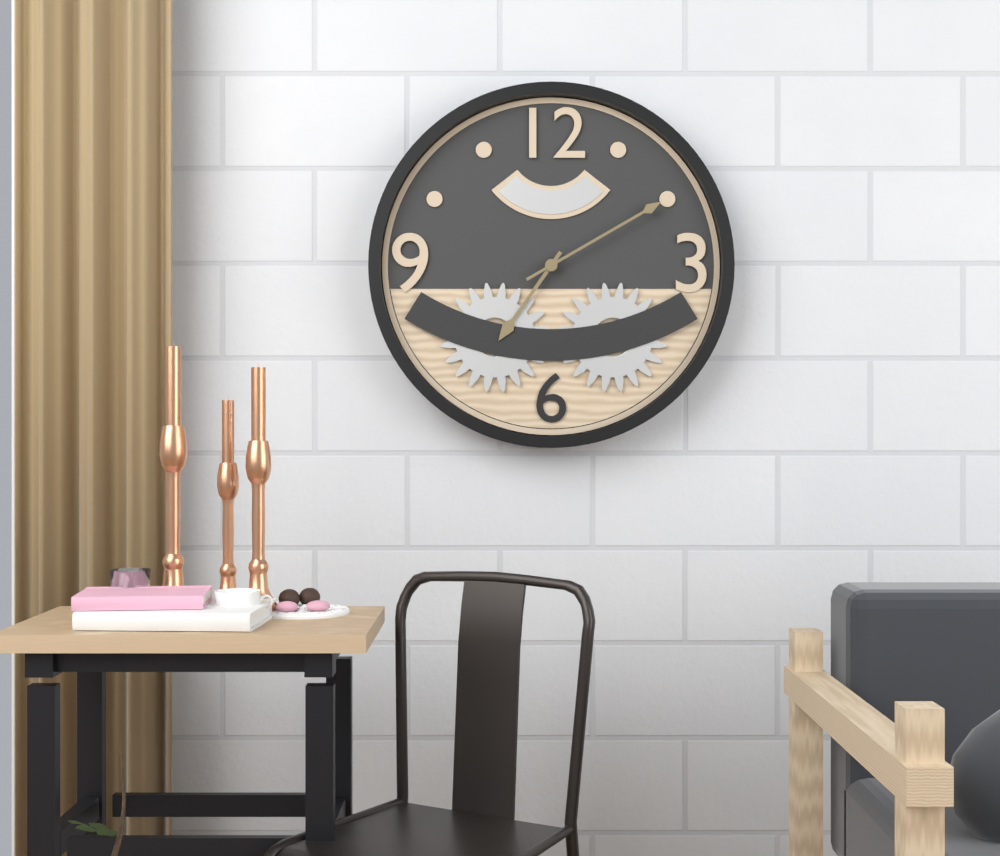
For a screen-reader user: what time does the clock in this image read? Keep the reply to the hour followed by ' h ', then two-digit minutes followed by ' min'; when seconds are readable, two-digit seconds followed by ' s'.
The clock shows 7 h 10 min
